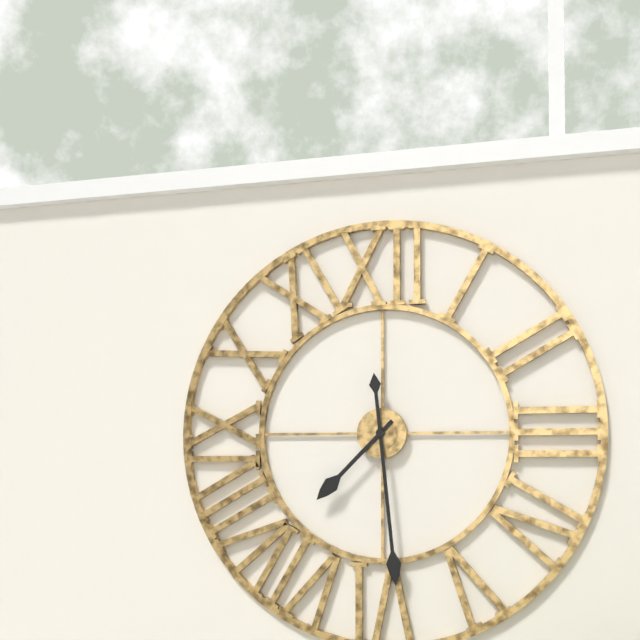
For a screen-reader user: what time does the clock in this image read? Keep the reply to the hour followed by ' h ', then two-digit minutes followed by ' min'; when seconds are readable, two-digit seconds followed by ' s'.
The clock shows 7 h 29 min
